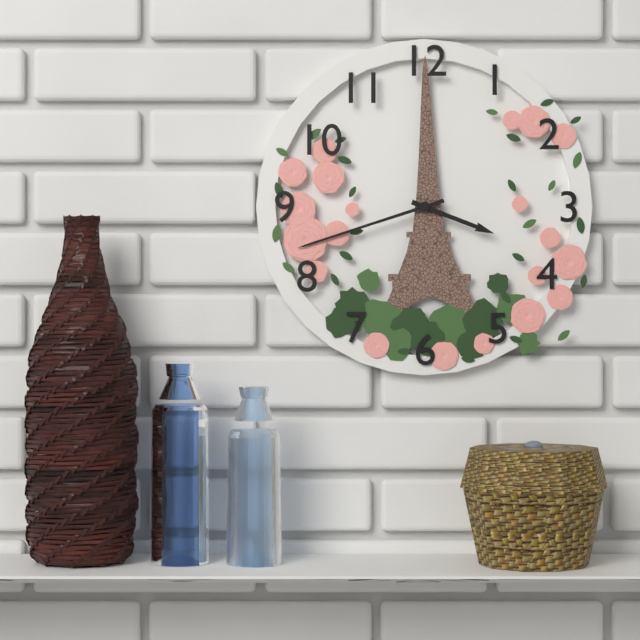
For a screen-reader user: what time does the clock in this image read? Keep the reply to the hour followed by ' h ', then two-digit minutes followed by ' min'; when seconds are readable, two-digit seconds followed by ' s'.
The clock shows 3 h 42 min
